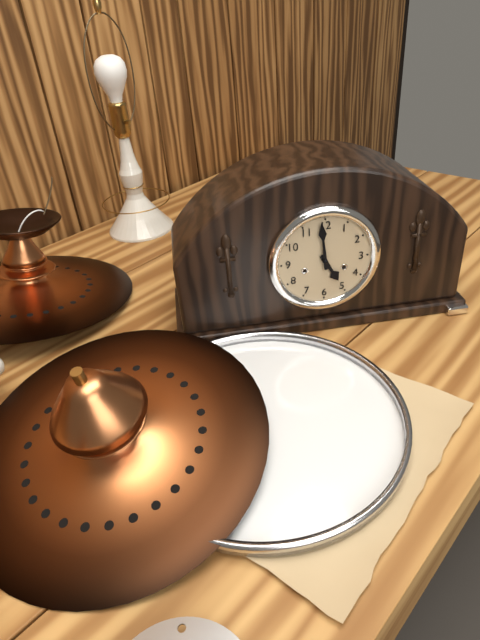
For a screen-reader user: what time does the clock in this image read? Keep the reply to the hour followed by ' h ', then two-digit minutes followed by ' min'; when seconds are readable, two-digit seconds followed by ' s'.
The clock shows 4 h 59 min
